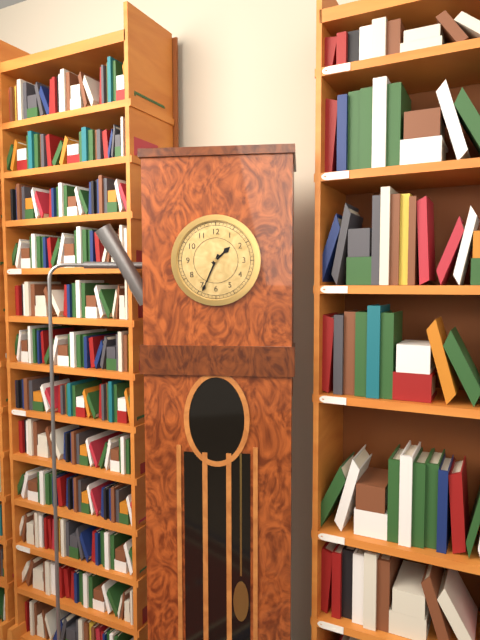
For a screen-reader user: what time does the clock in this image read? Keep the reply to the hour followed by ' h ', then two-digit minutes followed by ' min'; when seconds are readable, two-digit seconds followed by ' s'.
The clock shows 1 h 34 min
